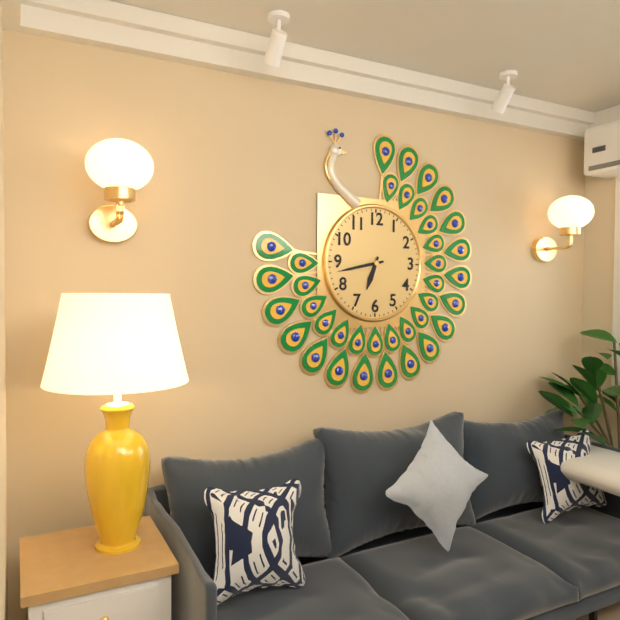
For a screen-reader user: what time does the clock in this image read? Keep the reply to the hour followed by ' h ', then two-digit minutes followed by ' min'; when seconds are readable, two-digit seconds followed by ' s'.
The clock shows 6 h 43 min
